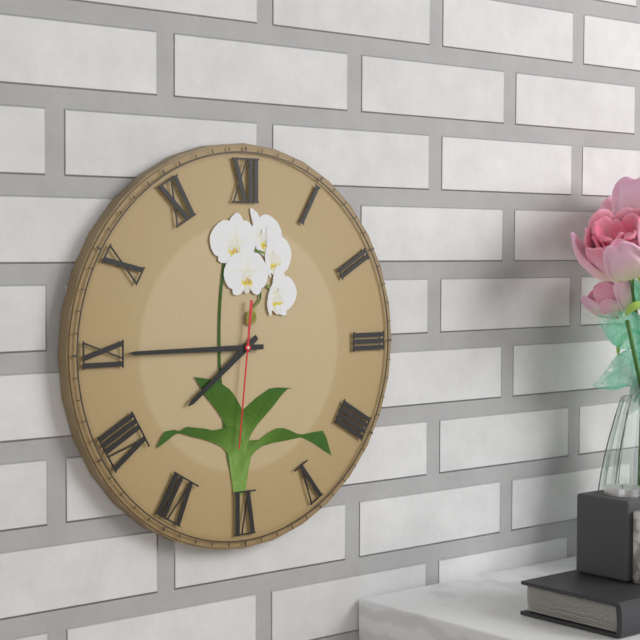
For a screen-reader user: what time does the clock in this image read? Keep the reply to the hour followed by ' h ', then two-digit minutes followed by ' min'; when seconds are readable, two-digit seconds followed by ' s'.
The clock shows 7 h 45 min 31 s
